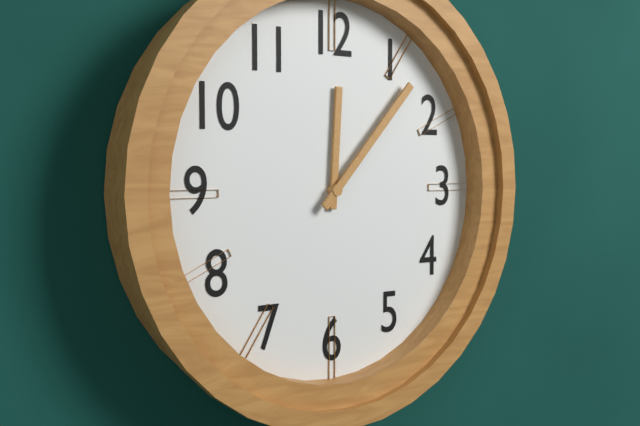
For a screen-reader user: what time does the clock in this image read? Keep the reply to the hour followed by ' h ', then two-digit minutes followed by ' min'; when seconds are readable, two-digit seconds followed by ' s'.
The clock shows 12 h 07 min
